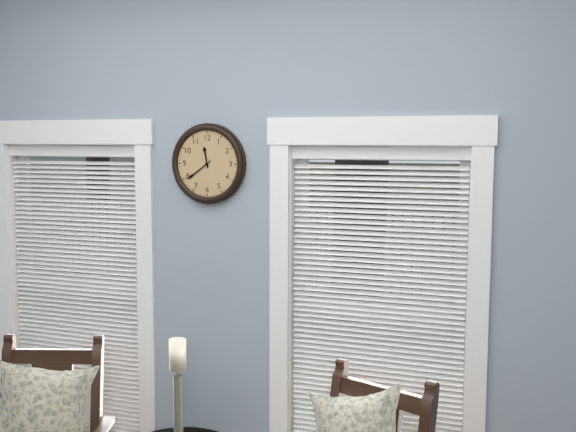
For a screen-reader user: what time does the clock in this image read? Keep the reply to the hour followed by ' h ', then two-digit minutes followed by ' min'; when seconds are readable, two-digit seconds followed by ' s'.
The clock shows 11 h 39 min
